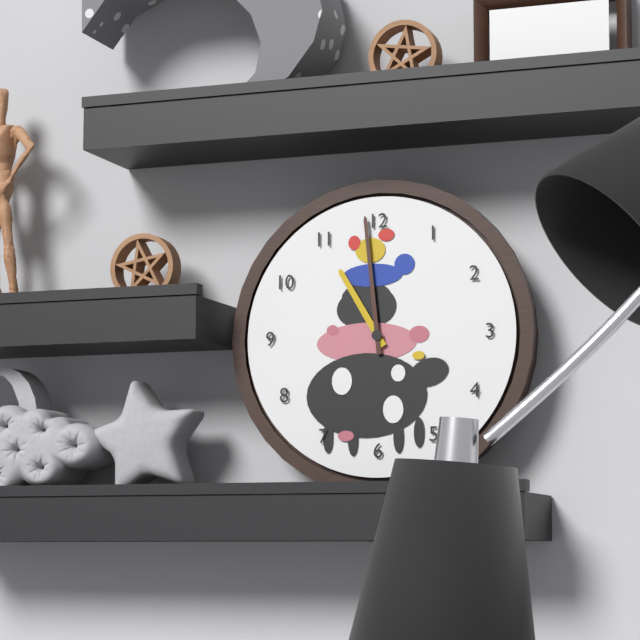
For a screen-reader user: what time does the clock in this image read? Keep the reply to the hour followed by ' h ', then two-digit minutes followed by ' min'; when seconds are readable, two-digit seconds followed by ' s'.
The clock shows 10 h 59 min
